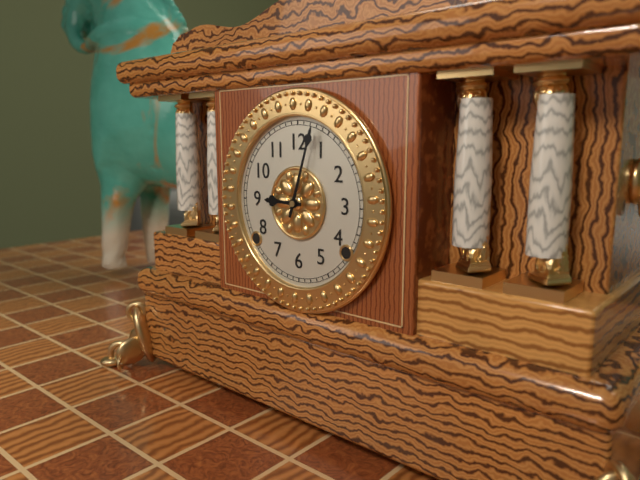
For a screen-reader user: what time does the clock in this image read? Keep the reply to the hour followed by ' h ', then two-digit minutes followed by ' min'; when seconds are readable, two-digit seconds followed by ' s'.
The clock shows 9 h 03 min
